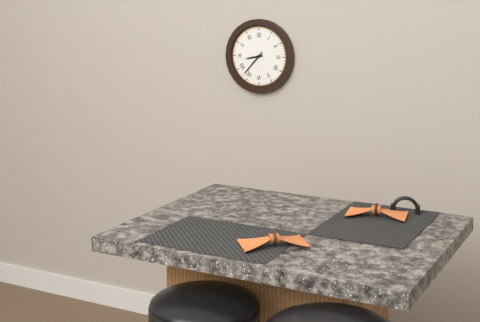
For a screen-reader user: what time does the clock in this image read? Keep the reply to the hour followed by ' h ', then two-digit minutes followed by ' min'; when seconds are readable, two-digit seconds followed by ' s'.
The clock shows 8 h 37 min
